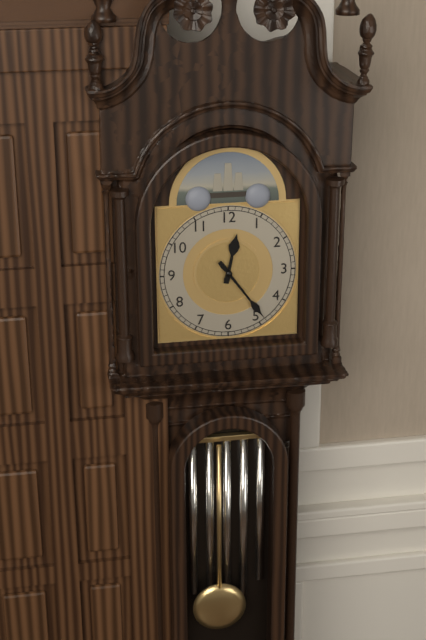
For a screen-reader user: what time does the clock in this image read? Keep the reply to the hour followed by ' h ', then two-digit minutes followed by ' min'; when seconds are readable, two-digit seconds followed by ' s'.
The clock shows 12 h 24 min
